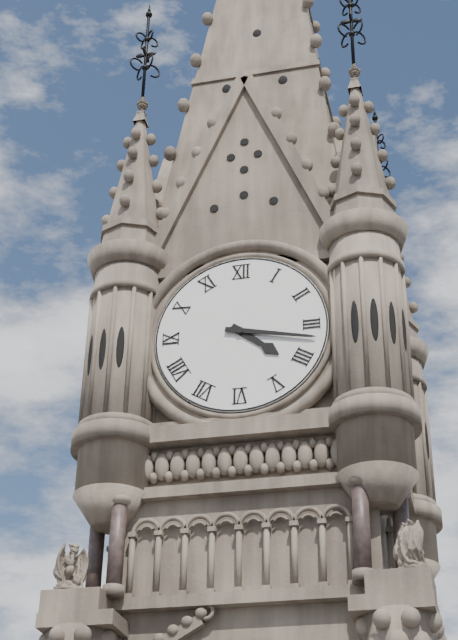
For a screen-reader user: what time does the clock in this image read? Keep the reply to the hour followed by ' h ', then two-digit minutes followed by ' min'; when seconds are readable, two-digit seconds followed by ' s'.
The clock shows 4 h 17 min
